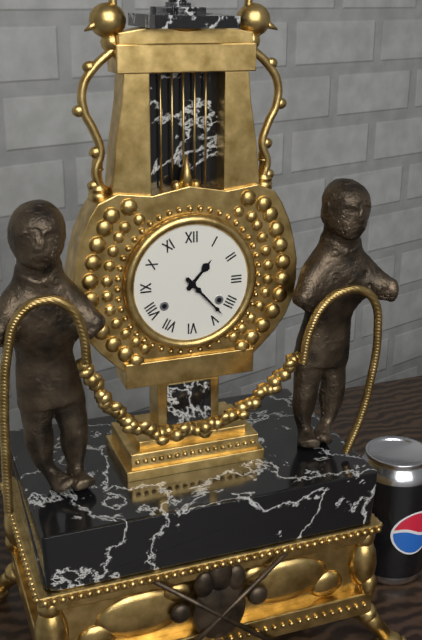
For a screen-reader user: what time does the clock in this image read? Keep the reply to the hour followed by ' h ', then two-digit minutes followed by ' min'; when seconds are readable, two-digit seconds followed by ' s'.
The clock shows 1 h 23 min
